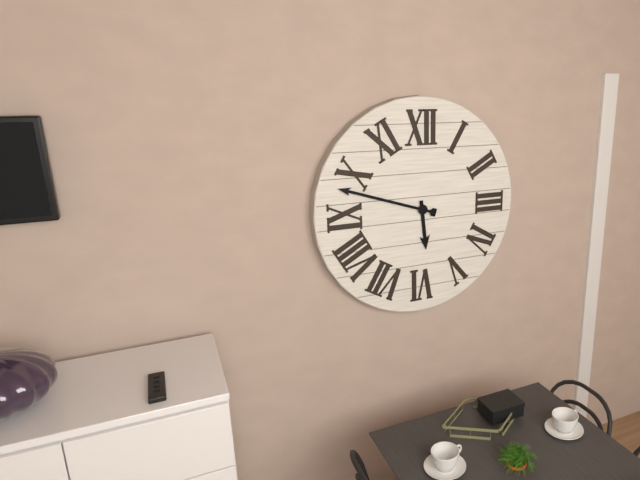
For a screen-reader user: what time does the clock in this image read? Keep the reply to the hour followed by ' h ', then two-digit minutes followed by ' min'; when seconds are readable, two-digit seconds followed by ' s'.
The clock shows 5 h 48 min
